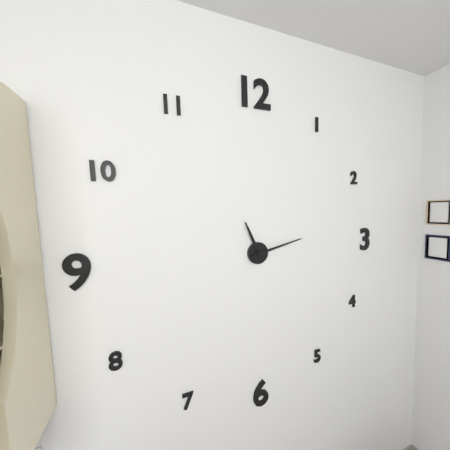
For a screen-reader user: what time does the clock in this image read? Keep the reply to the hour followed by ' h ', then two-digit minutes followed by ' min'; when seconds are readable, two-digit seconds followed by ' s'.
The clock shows 11 h 13 min
